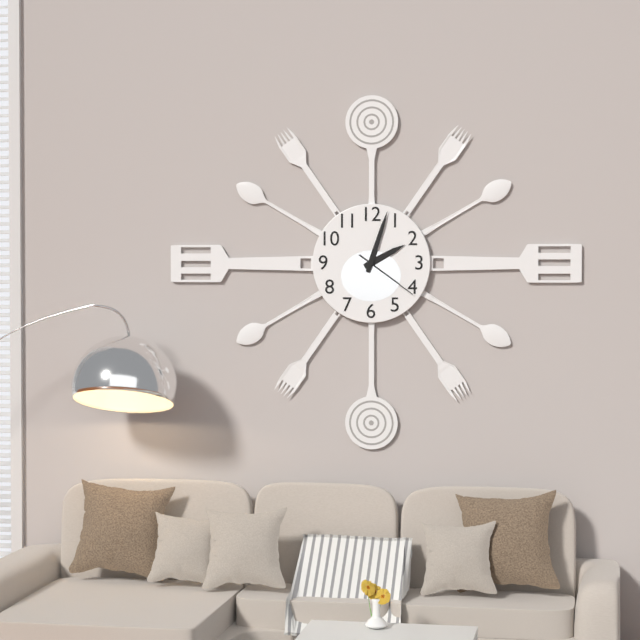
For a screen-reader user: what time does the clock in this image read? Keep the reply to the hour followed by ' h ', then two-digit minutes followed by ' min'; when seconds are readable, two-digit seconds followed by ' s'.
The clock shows 2 h 03 min 21 s
